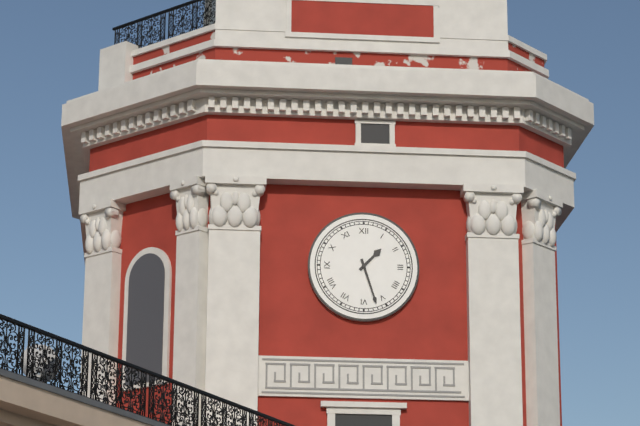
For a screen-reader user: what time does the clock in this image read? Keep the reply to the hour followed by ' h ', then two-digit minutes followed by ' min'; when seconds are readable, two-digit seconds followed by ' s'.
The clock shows 1 h 27 min
